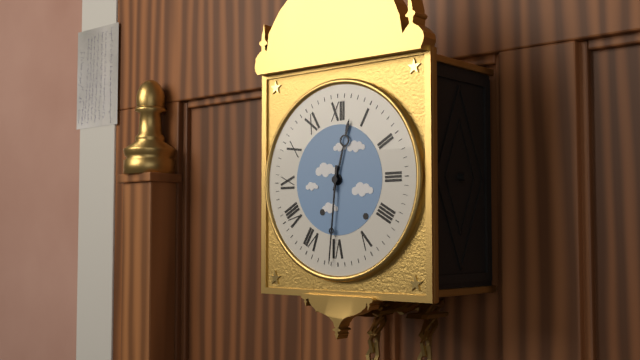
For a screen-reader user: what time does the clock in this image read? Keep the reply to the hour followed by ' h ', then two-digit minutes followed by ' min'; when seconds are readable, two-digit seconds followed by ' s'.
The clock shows 12 h 31 min
